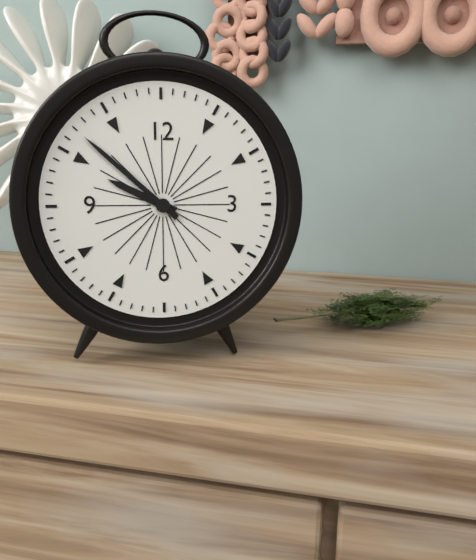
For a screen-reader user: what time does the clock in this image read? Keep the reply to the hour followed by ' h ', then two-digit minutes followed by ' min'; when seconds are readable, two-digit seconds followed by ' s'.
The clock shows 9 h 52 min
